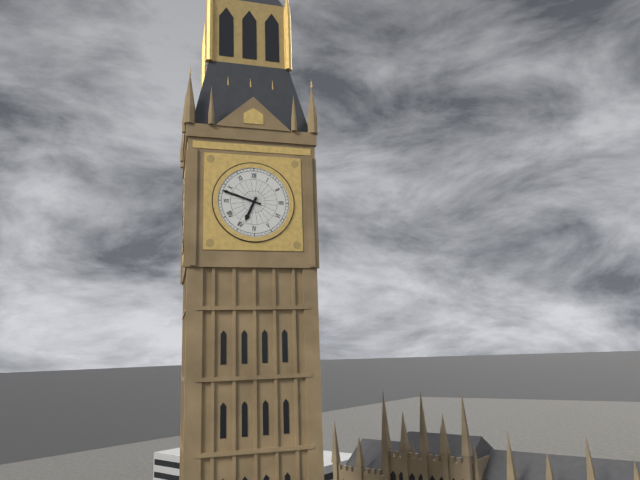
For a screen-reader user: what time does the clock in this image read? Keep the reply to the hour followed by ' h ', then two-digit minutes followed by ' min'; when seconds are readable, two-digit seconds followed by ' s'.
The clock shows 6 h 48 min
